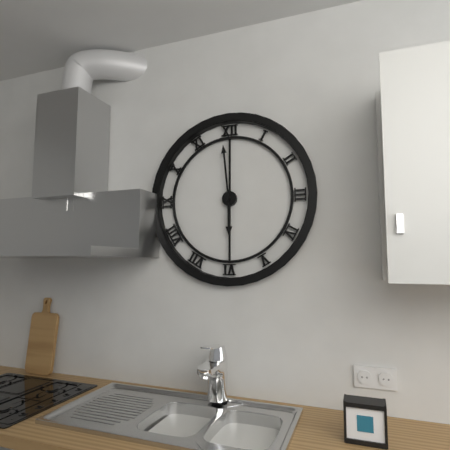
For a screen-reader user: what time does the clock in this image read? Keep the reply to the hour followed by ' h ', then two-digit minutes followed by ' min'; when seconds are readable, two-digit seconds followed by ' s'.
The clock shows 5 h 59 min
